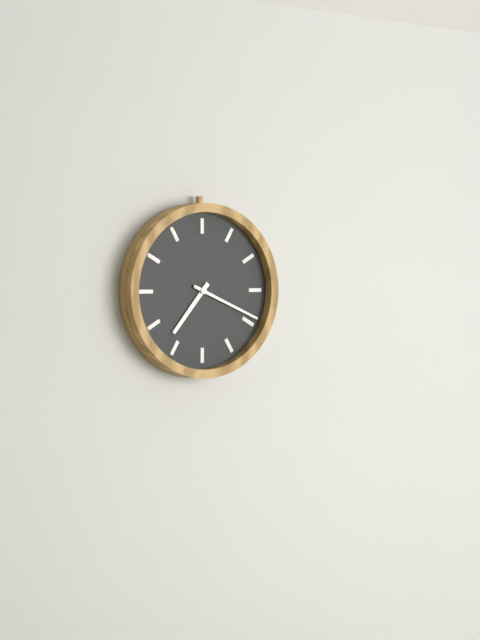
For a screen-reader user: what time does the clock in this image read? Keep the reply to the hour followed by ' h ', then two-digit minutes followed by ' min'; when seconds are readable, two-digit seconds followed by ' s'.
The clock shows 7 h 19 min
